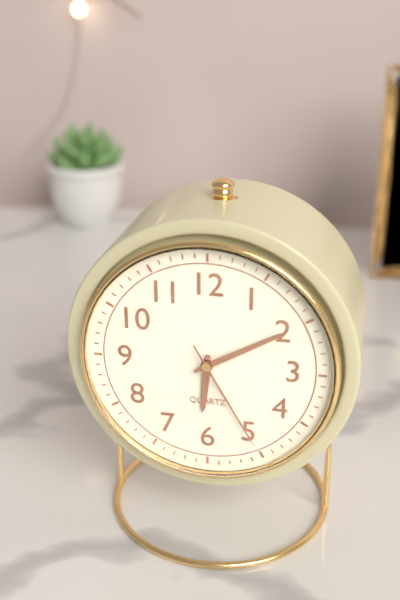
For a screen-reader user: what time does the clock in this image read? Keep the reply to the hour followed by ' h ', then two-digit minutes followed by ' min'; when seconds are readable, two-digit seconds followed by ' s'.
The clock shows 6 h 10 min 25 s
